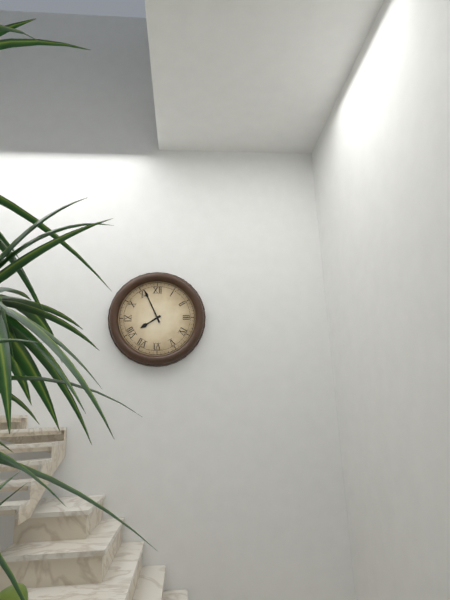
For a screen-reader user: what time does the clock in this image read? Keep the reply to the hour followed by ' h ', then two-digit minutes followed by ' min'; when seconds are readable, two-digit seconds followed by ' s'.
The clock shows 7 h 56 min
